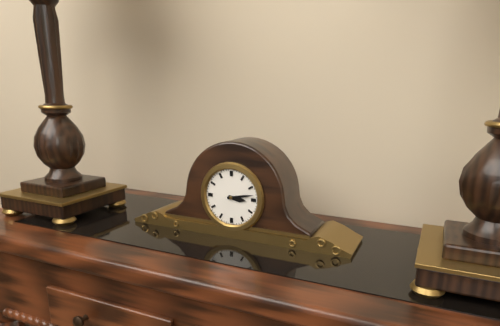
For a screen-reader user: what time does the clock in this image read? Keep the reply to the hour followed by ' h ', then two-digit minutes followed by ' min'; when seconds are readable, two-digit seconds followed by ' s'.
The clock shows 3 h 13 min
